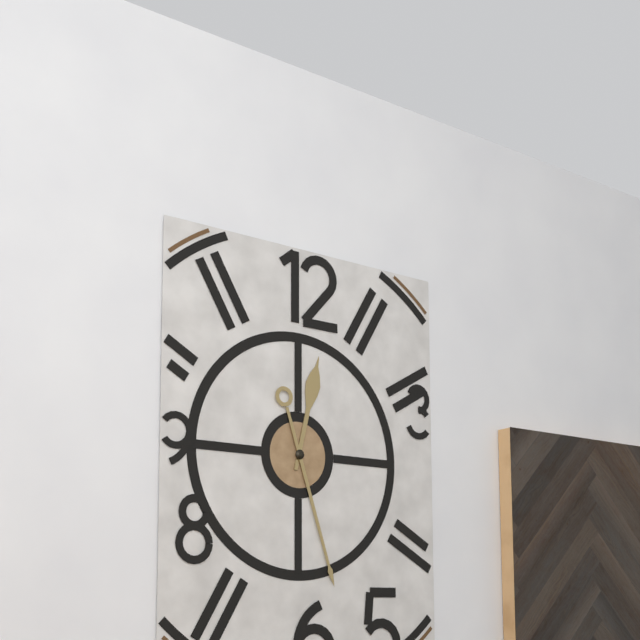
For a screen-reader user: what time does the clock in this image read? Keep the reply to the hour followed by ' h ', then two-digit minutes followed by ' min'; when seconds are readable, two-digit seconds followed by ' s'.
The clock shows 12 h 27 min
